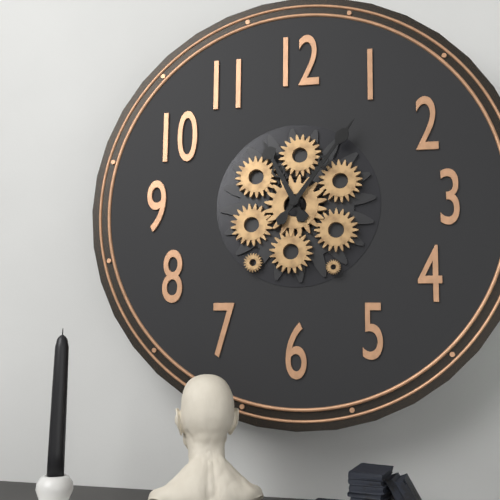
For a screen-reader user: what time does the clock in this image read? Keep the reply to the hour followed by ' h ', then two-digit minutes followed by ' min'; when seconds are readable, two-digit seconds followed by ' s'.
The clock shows 11 h 06 min
